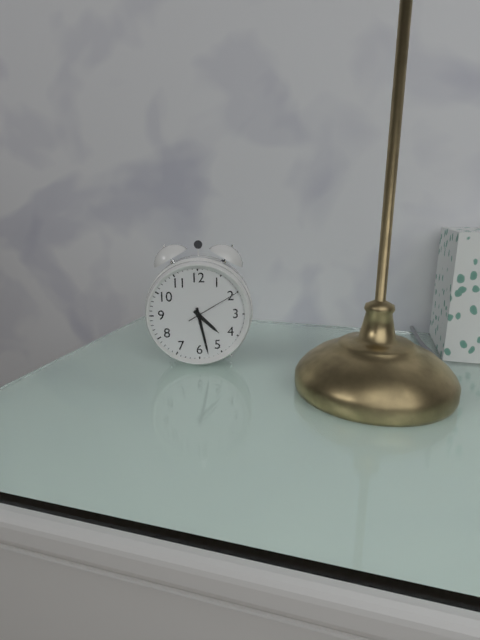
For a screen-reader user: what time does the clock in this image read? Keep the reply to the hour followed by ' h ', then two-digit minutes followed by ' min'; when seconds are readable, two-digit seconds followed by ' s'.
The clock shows 4 h 28 min 10 s
